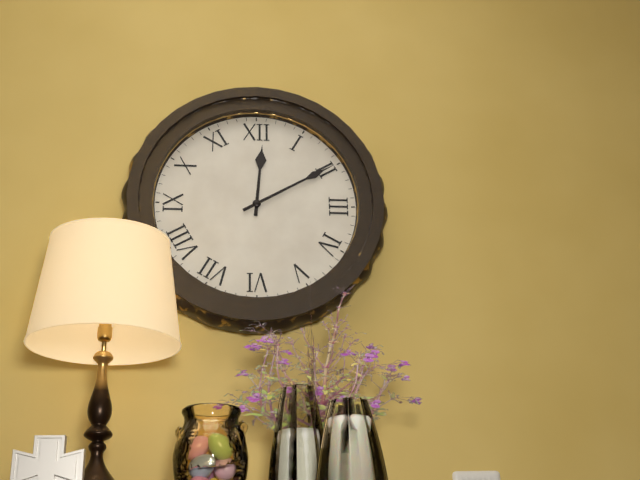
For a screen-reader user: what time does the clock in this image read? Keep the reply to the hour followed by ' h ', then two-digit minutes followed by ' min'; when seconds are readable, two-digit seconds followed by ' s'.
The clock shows 12 h 10 min
